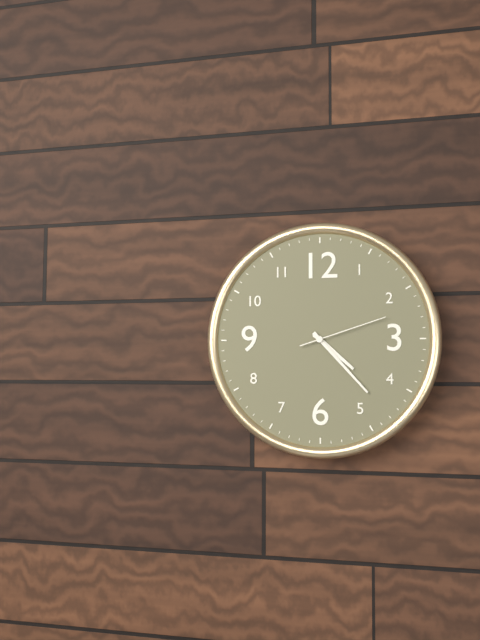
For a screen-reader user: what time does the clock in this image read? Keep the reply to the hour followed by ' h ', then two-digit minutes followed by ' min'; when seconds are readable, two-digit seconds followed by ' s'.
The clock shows 4 h 23 min 12 s
